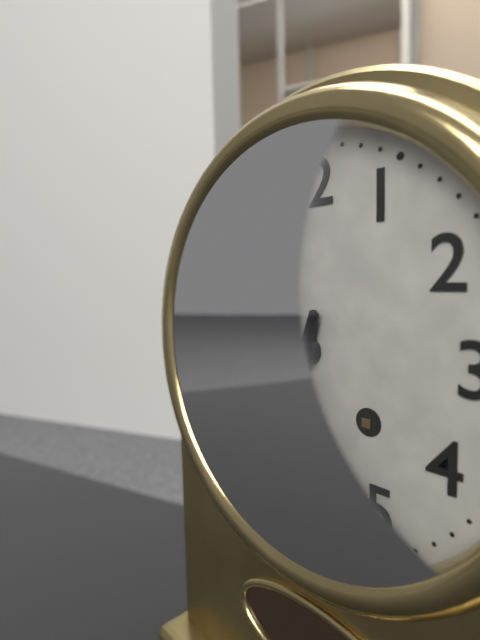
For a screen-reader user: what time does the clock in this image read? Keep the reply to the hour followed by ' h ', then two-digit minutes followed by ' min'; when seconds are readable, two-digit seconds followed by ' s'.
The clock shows 6 h 33 min
